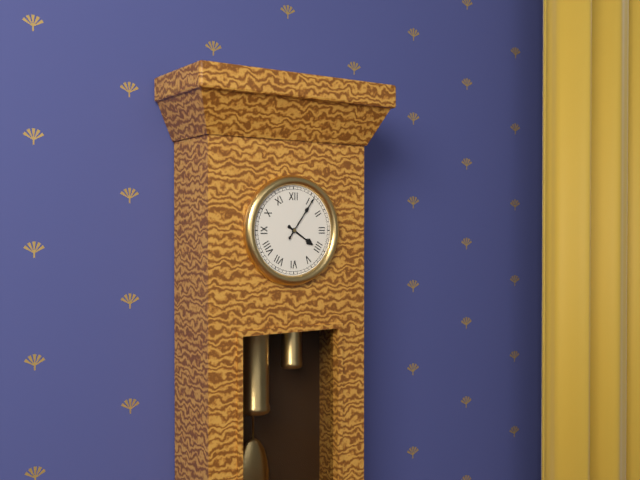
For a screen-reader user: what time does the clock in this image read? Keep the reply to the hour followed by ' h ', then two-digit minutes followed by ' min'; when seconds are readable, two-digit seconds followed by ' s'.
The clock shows 4 h 06 min
